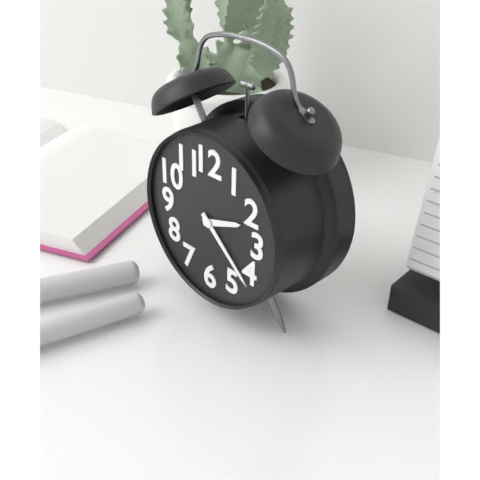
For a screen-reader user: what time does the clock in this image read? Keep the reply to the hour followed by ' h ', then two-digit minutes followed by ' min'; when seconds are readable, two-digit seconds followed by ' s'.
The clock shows 2 h 22 min
